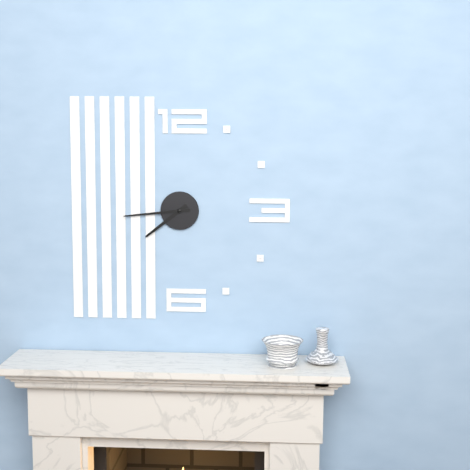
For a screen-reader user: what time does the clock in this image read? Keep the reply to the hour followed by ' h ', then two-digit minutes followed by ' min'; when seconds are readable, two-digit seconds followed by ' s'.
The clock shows 7 h 44 min
